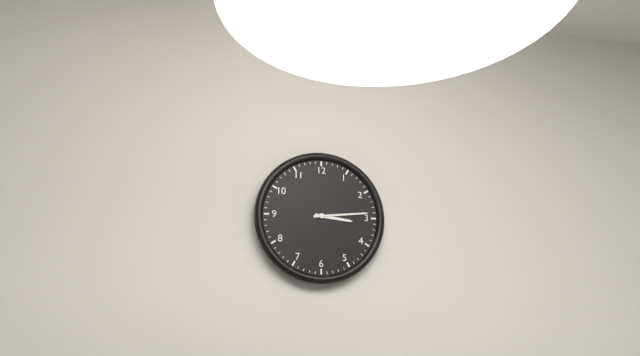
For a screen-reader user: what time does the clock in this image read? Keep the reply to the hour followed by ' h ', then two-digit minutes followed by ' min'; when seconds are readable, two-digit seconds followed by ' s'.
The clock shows 3 h 14 min
